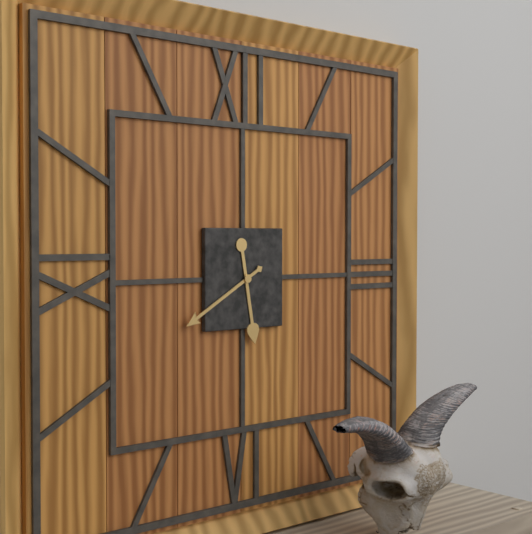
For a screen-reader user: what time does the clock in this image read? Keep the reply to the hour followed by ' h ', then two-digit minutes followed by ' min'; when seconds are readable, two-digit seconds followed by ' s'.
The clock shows 5 h 40 min
